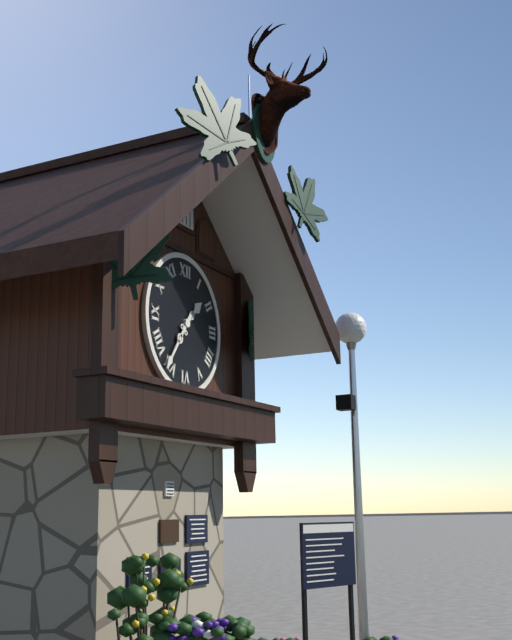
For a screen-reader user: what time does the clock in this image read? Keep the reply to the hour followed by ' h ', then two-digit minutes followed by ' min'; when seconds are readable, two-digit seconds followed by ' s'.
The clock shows 1 h 36 min
